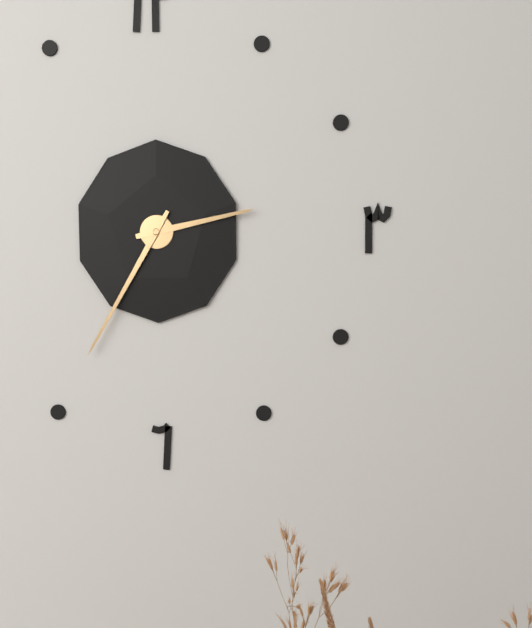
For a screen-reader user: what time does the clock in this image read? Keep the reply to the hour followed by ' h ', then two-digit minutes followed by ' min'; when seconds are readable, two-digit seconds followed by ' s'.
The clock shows 2 h 35 min
